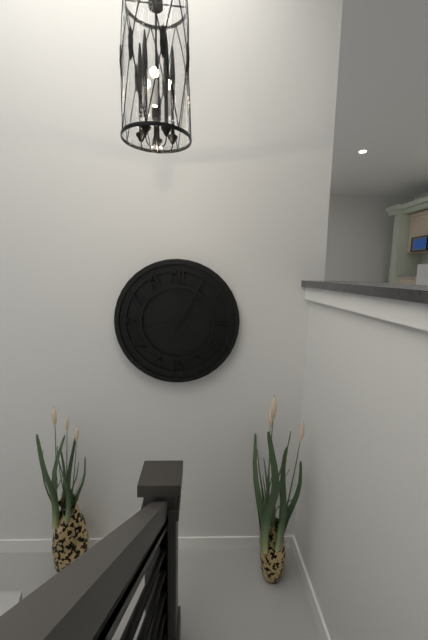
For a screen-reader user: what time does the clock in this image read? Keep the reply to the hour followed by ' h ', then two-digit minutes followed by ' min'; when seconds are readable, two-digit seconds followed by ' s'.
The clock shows 1 h 05 min 43 s
